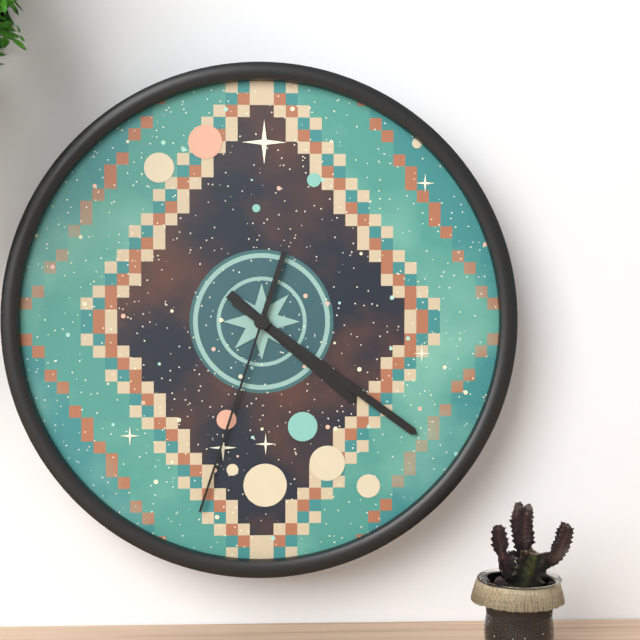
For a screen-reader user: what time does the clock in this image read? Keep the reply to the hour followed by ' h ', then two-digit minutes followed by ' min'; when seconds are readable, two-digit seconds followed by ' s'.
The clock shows 4 h 21 min 33 s
